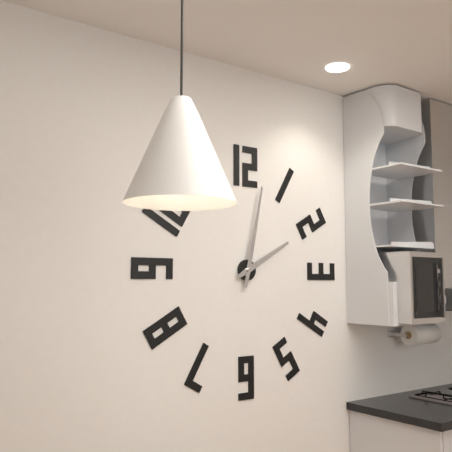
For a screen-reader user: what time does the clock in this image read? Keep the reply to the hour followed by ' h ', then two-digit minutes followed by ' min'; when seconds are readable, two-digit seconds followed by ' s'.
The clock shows 2 h 02 min
